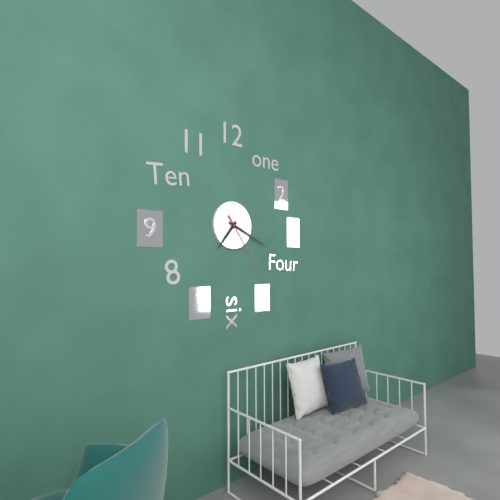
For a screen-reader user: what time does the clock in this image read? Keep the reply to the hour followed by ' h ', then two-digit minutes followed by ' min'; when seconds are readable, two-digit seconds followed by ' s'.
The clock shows 7 h 19 min 24 s
